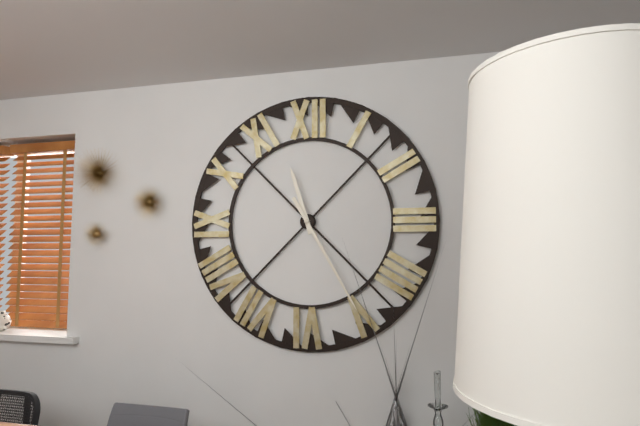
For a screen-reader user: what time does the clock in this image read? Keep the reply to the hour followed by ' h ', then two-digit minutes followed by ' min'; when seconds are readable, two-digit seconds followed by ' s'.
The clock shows 11 h 25 min
